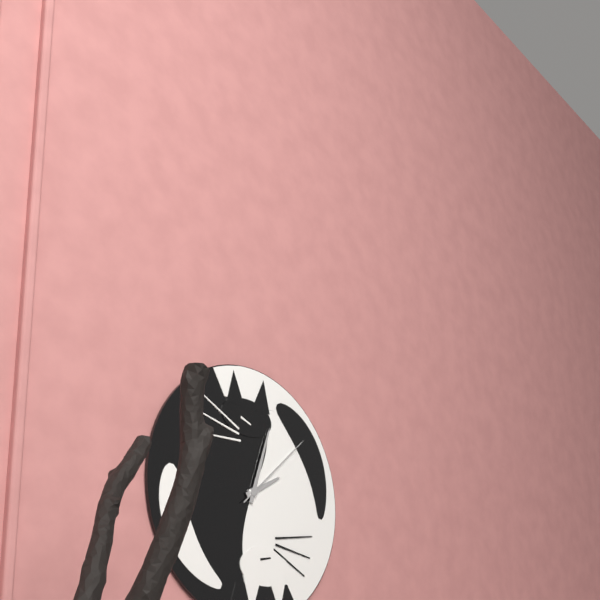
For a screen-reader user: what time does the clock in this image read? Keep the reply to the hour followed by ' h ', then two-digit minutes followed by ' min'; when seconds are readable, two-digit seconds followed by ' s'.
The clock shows 2 h 03 min 08 s
